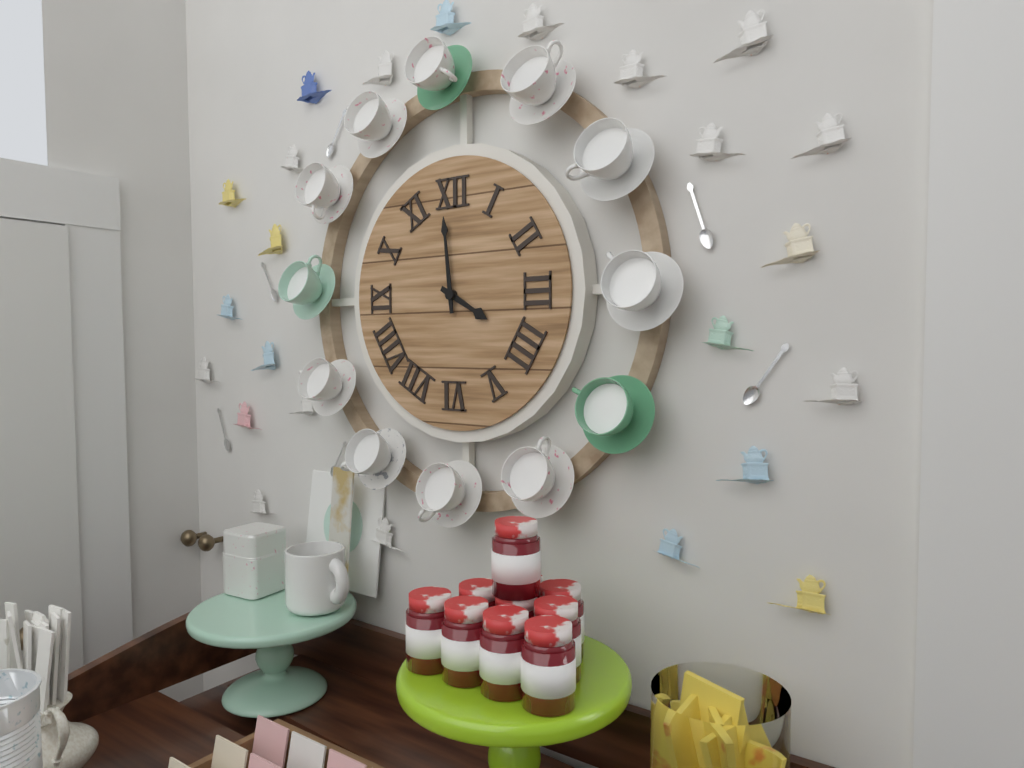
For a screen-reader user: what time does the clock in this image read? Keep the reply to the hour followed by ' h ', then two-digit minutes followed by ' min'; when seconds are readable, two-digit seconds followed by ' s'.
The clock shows 3 h 59 min
